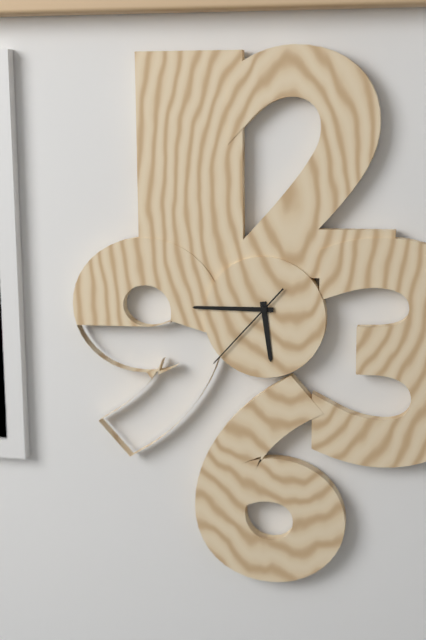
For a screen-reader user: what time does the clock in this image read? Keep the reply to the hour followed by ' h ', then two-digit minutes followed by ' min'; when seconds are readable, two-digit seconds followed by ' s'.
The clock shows 5 h 45 min 37 s
